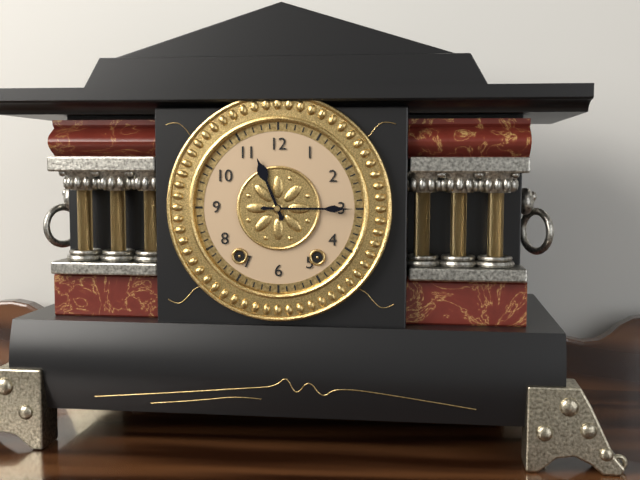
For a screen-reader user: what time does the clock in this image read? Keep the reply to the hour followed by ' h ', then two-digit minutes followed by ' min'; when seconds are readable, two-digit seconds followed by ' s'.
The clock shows 11 h 15 min
